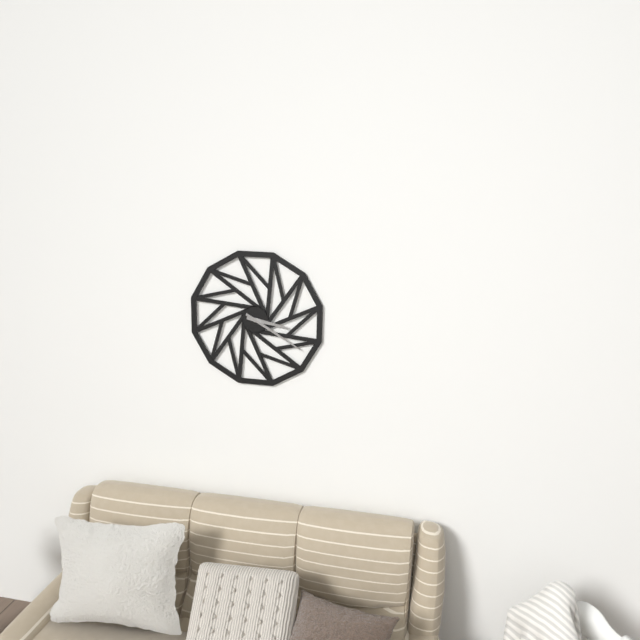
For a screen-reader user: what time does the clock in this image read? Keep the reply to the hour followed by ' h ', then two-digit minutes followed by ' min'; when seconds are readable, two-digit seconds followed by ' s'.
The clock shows 3 h 20 min
